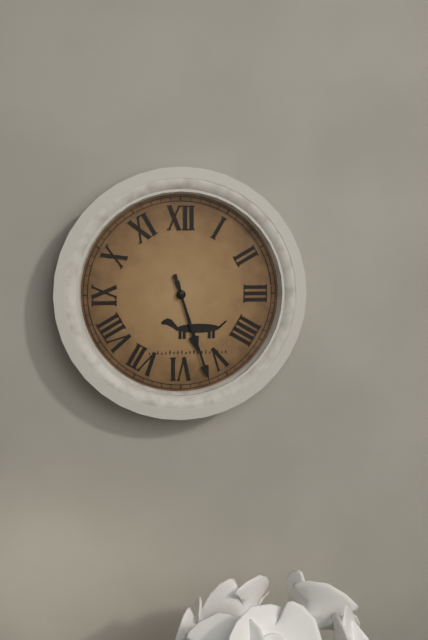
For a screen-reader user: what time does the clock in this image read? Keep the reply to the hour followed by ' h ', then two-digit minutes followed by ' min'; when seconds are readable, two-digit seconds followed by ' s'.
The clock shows 5 h 27 min
